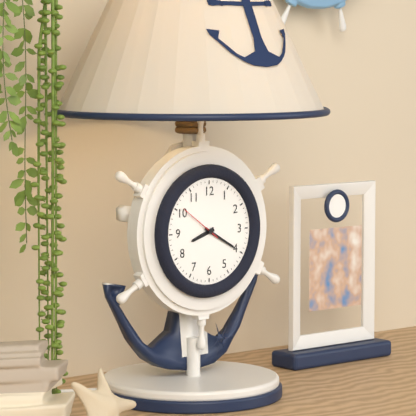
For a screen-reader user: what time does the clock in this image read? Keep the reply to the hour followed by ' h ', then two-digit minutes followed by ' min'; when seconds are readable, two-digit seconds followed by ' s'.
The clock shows 8 h 20 min
